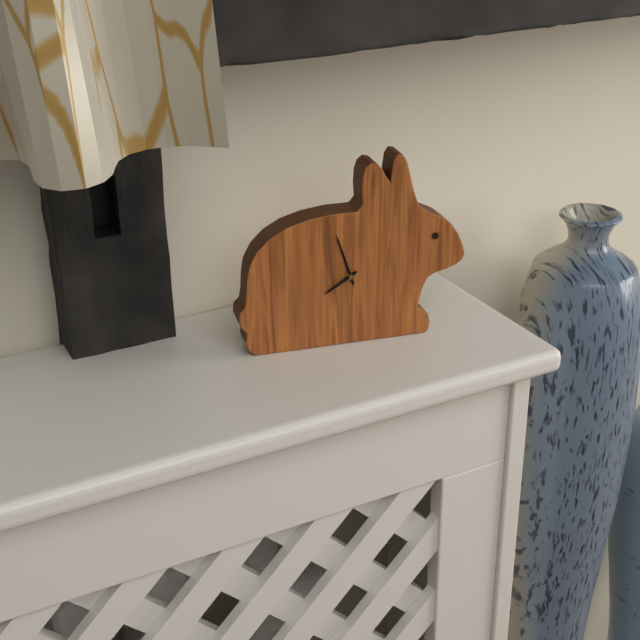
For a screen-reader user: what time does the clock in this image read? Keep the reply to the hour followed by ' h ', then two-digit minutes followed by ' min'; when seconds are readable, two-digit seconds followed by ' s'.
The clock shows 7 h 57 min
